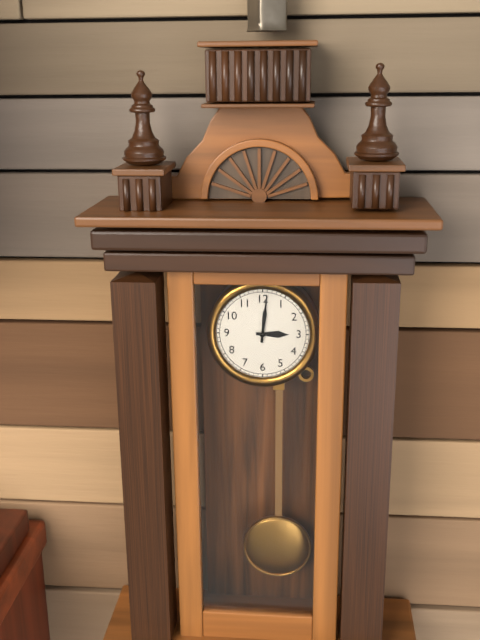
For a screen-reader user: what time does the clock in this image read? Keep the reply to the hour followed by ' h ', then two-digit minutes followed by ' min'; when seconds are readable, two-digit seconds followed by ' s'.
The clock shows 3 h 01 min
